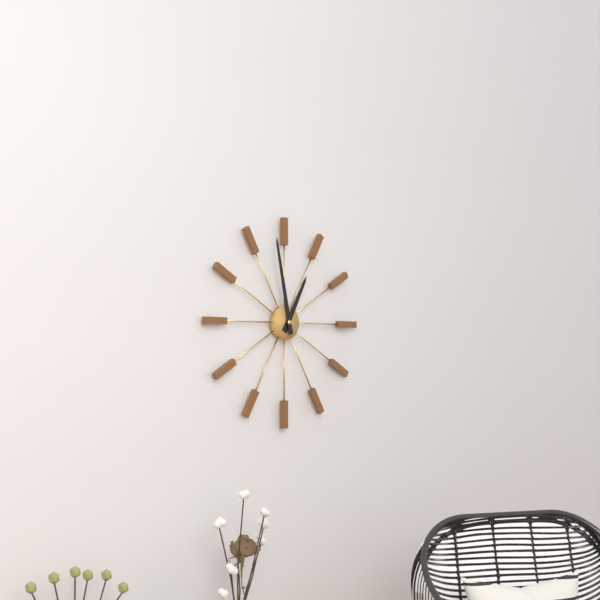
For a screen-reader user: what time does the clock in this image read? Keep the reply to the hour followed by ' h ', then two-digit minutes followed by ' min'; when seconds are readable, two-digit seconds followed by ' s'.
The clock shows 12 h 58 min
